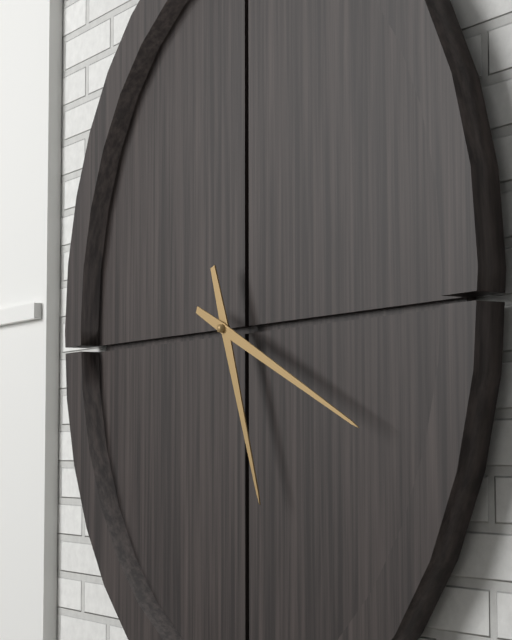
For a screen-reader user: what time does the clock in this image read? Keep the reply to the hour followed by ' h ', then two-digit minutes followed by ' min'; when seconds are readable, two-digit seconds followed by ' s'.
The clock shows 5 h 19 min
